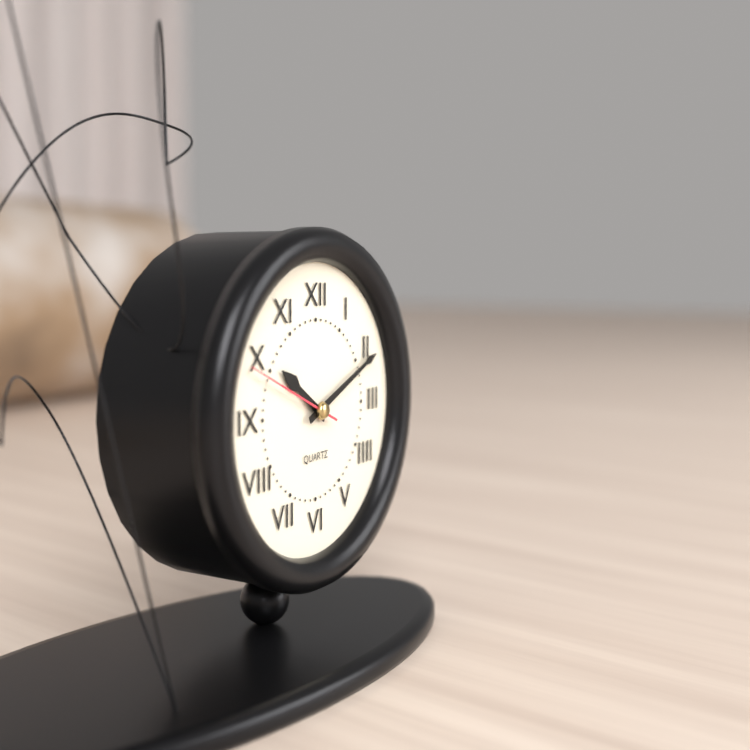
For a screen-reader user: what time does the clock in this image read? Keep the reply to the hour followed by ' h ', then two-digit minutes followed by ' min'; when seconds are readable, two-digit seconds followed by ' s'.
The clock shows 10 h 11 min 49 s
